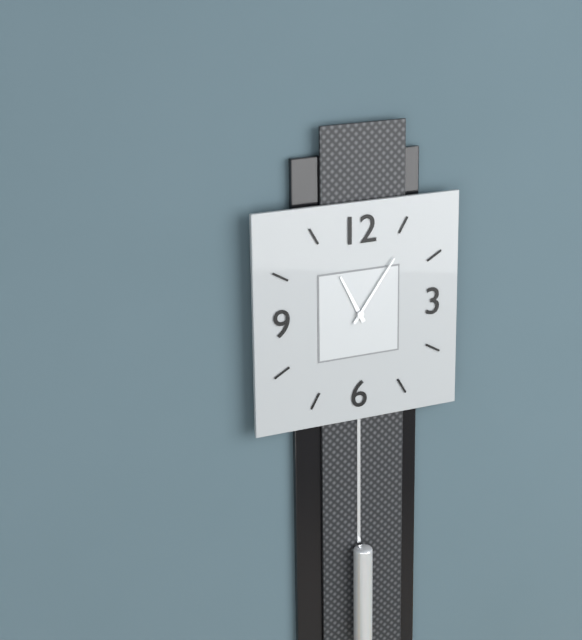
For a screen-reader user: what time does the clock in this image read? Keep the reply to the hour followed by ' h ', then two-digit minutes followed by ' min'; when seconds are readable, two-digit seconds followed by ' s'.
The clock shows 11 h 06 min
